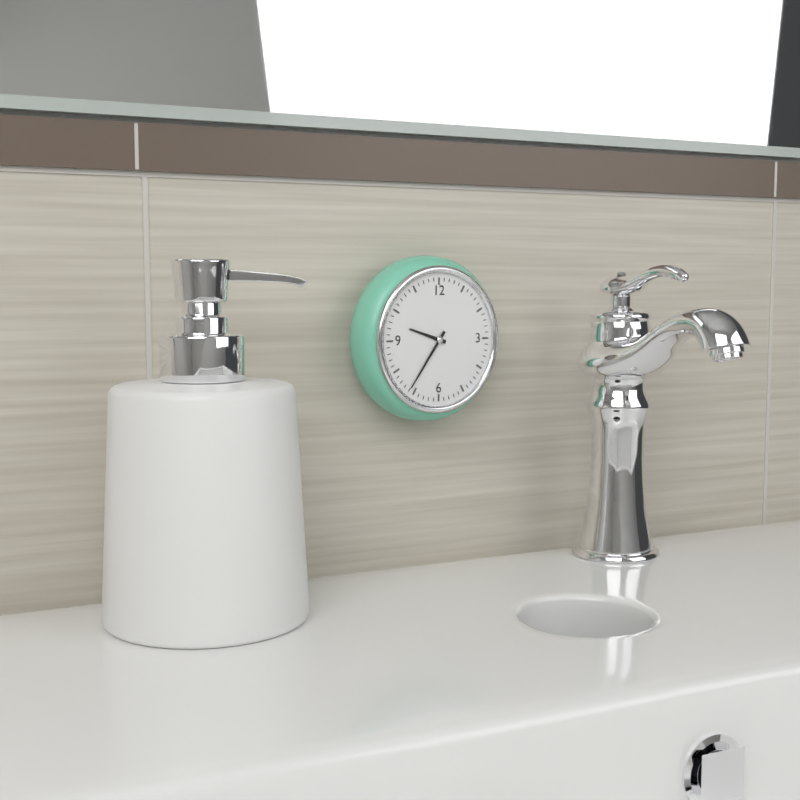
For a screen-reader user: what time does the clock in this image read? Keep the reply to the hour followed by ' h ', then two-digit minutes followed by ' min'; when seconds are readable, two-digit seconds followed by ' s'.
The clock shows 9 h 36 min
